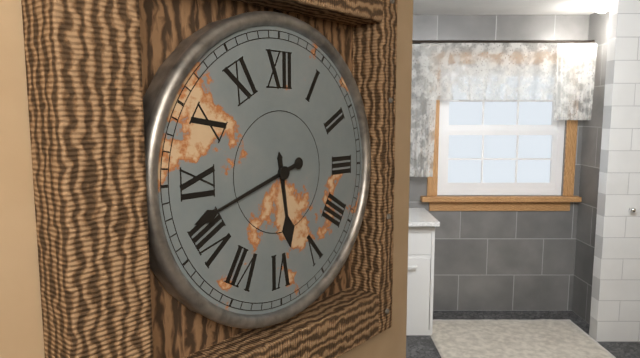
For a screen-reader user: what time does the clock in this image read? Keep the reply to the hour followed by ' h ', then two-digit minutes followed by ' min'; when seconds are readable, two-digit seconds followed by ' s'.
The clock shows 5 h 42 min
